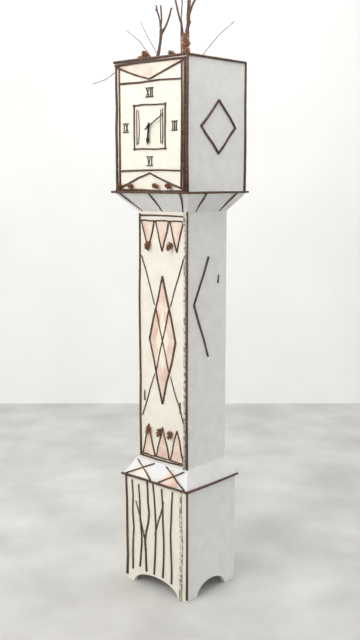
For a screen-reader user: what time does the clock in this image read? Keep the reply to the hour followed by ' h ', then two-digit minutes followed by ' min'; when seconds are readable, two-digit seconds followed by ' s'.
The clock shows 6 h 10 min
